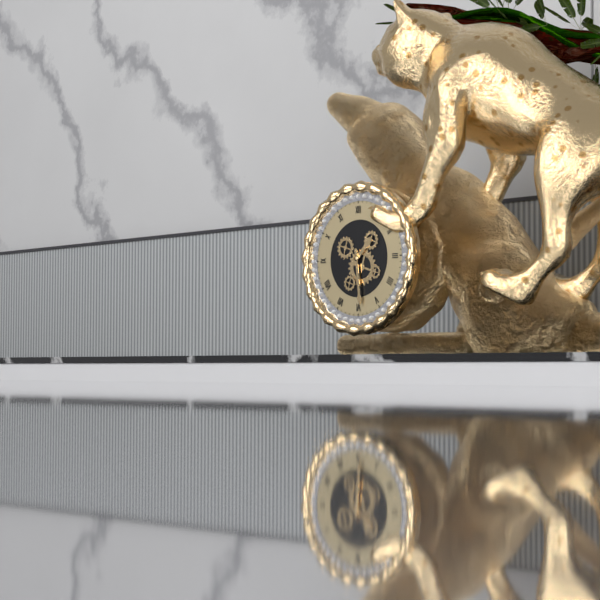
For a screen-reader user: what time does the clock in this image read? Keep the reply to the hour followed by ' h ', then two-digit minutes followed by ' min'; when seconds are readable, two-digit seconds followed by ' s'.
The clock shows 1 h 29 min
